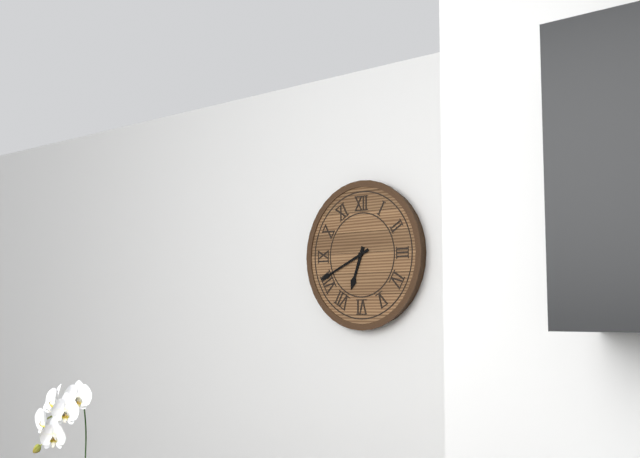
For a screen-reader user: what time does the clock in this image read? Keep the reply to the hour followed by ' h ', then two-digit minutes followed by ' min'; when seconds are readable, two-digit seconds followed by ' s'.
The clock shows 6 h 41 min
